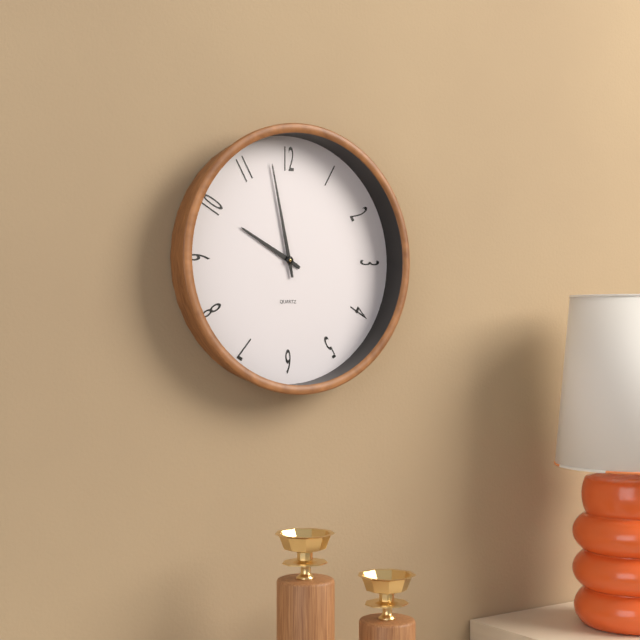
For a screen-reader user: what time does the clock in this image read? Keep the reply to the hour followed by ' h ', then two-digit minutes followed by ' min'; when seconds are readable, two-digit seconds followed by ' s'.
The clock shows 9 h 58 min
